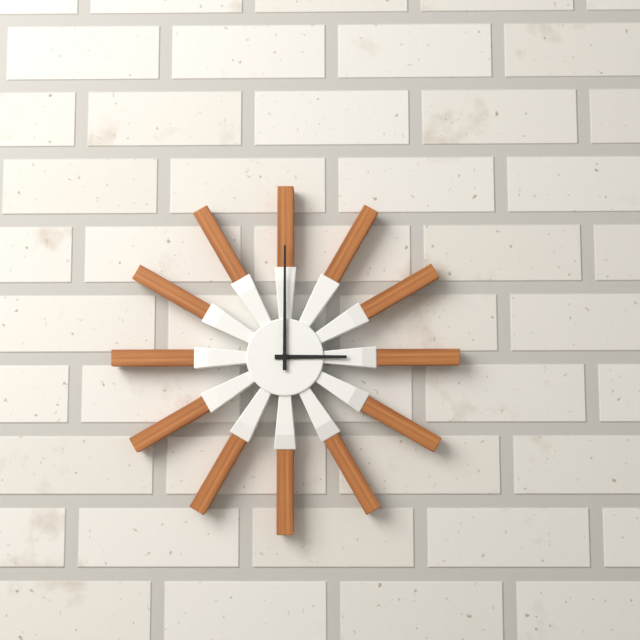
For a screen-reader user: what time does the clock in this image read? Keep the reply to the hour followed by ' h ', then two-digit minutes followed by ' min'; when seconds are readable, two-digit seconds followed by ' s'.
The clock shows 3 h 00 min
